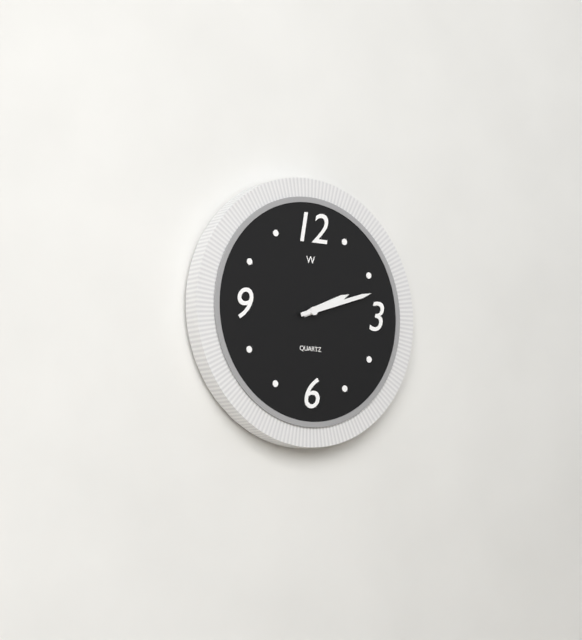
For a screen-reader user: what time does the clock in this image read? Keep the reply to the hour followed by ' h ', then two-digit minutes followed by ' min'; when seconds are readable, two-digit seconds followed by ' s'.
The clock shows 2 h 12 min
